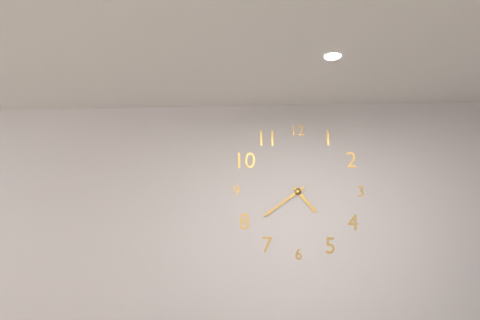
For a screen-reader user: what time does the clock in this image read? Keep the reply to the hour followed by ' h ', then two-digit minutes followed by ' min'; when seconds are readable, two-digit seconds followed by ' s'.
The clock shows 4 h 39 min
